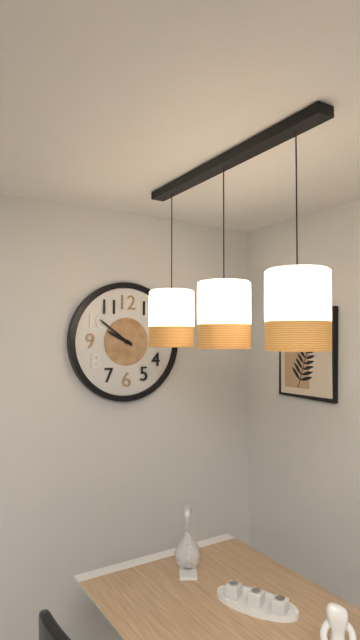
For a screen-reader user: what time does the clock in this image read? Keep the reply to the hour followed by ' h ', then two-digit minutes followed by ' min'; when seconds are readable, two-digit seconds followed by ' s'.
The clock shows 9 h 51 min
